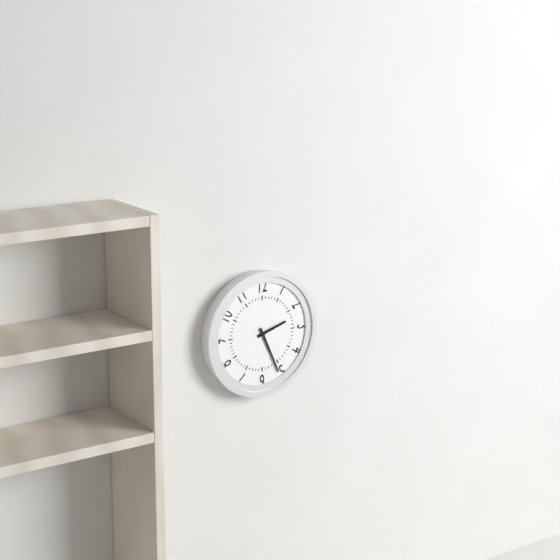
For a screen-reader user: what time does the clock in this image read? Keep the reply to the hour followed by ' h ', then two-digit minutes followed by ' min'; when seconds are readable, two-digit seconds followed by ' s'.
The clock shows 2 h 26 min
